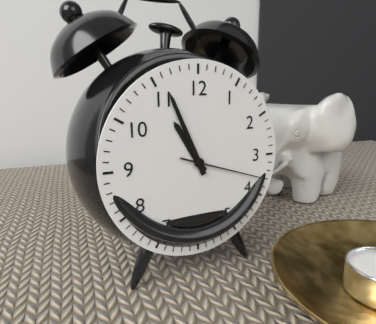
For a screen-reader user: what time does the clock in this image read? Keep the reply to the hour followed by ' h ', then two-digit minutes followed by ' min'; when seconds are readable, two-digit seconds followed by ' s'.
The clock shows 10 h 56 min 18 s
